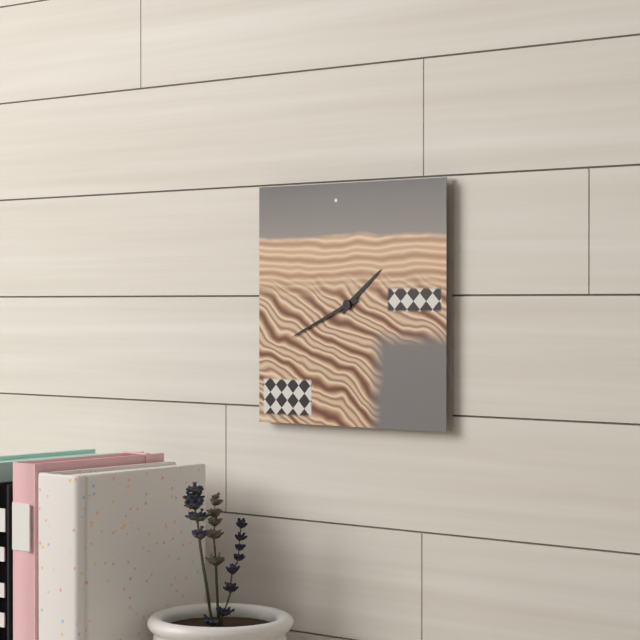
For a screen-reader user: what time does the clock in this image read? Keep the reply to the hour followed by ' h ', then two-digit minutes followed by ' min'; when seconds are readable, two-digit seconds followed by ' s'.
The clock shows 1 h 41 min
